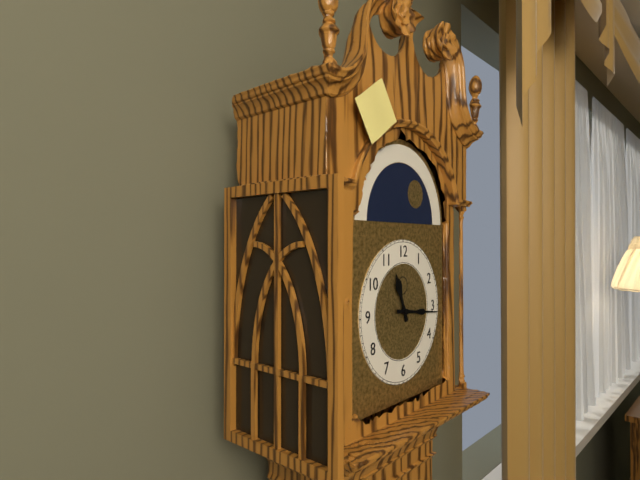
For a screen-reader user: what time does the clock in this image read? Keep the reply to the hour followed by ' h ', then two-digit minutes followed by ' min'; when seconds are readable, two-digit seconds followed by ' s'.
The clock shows 11 h 16 min
